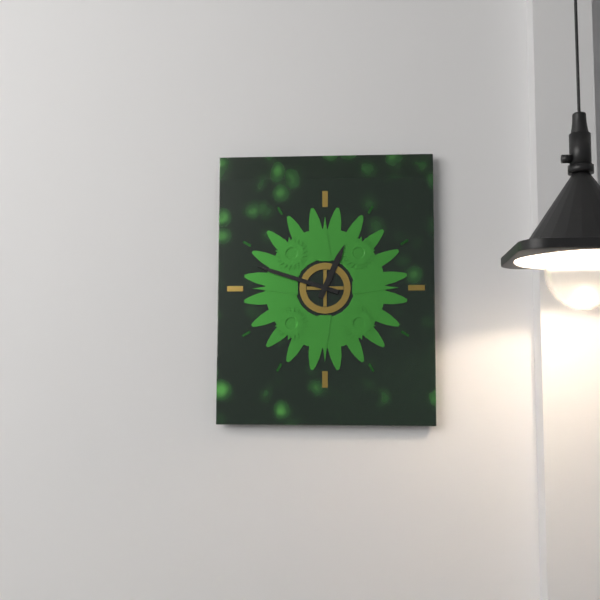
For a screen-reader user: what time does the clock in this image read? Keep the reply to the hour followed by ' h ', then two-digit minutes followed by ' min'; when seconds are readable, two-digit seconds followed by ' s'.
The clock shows 12 h 48 min
